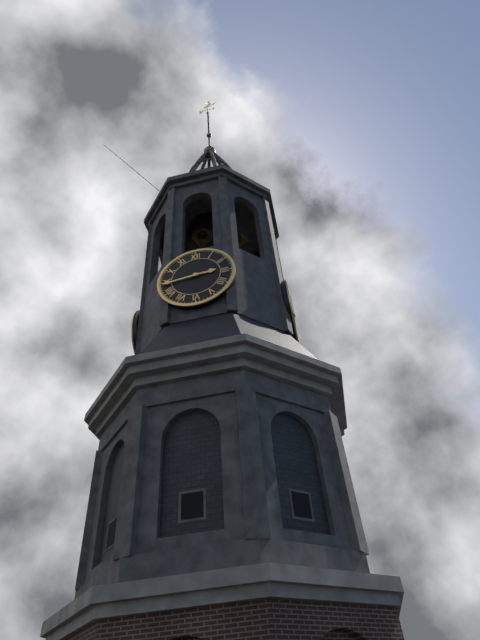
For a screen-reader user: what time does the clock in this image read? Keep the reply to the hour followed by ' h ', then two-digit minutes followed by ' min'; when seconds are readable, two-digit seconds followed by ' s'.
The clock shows 2 h 44 min
